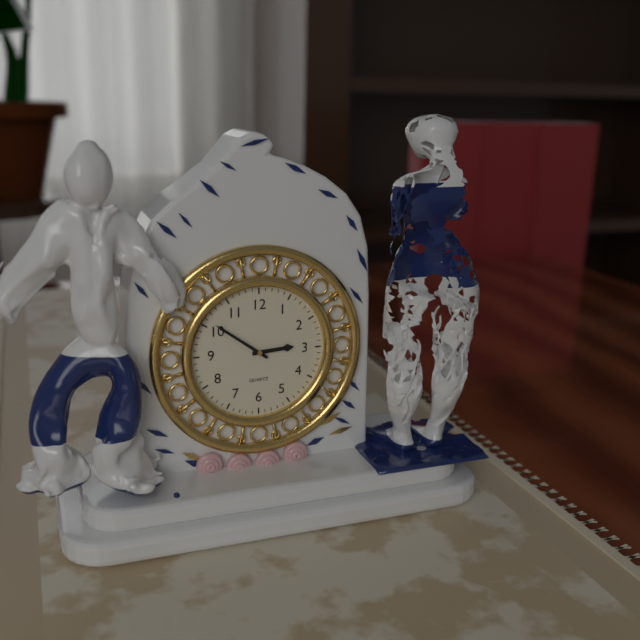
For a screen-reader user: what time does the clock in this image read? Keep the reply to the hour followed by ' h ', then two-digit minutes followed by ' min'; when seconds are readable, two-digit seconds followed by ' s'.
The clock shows 2 h 51 min
